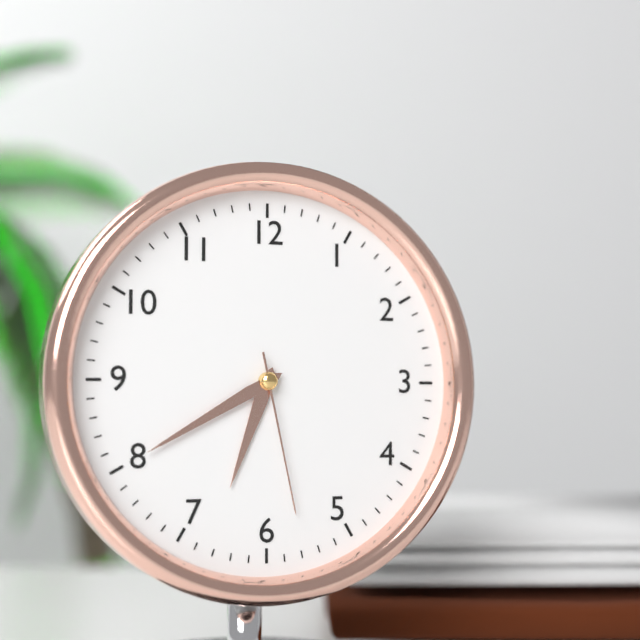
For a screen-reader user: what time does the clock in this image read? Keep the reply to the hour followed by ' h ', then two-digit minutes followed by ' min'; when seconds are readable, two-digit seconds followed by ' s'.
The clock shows 6 h 40 min 28 s
